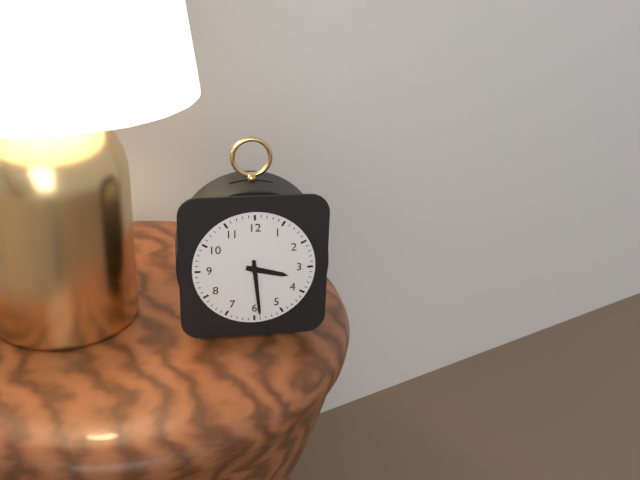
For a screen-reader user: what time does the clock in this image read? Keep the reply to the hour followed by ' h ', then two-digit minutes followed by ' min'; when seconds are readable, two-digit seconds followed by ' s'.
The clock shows 3 h 29 min
